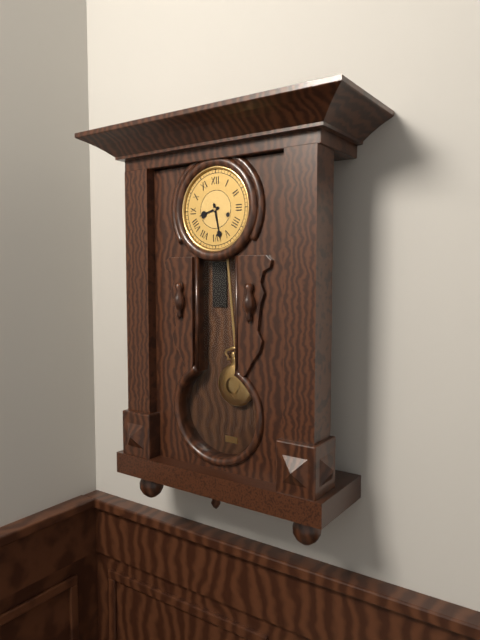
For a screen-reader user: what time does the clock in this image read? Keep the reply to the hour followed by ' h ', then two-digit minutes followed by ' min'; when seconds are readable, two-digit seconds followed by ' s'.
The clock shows 8 h 28 min
